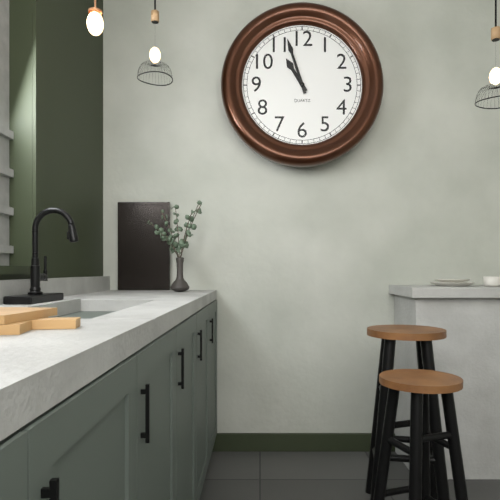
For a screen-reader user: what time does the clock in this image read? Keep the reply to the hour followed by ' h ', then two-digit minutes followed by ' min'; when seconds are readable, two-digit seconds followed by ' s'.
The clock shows 10 h 57 min
